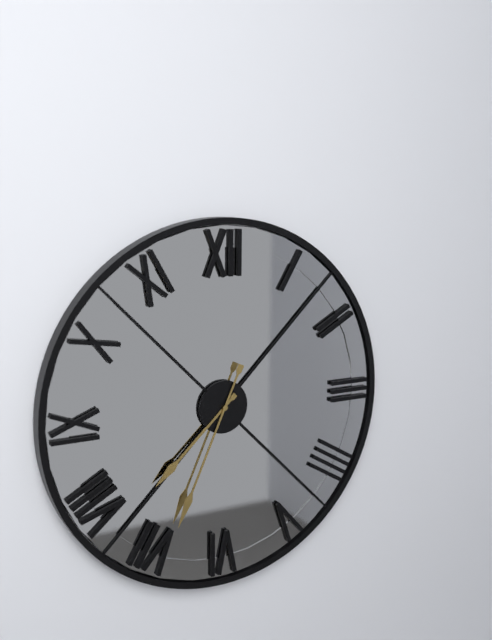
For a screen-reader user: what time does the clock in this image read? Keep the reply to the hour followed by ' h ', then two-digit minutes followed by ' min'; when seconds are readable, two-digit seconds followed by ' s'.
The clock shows 7 h 34 min
